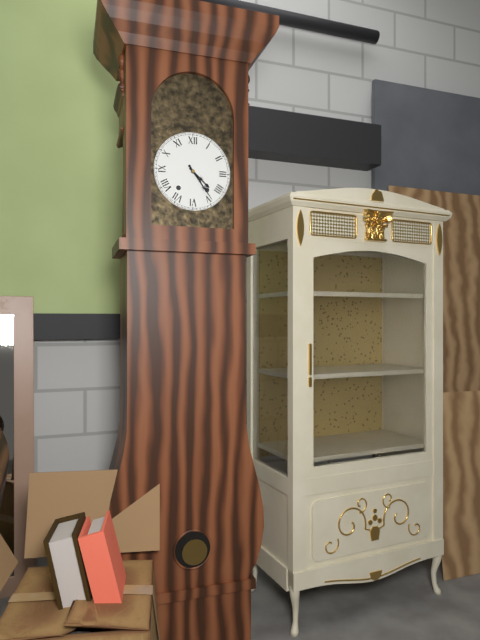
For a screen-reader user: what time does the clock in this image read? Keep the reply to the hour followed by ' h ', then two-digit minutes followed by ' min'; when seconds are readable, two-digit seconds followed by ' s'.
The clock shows 4 h 24 min
